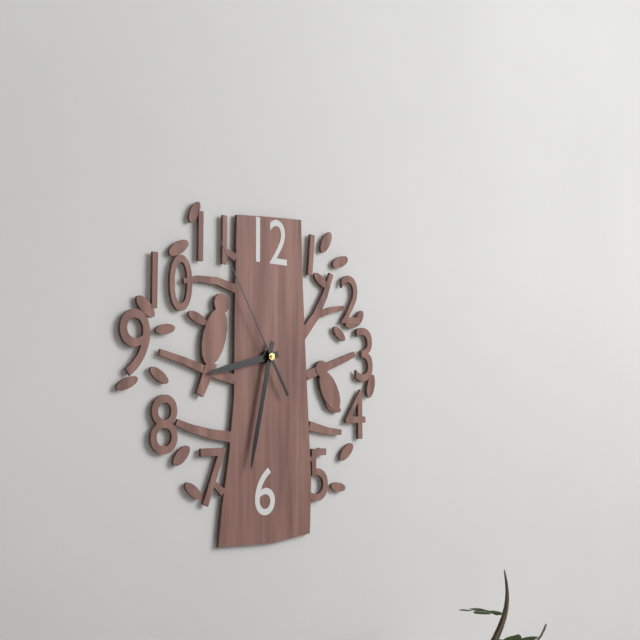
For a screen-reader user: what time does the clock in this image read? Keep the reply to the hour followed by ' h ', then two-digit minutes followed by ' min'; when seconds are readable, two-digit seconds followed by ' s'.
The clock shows 8 h 32 min 55 s
